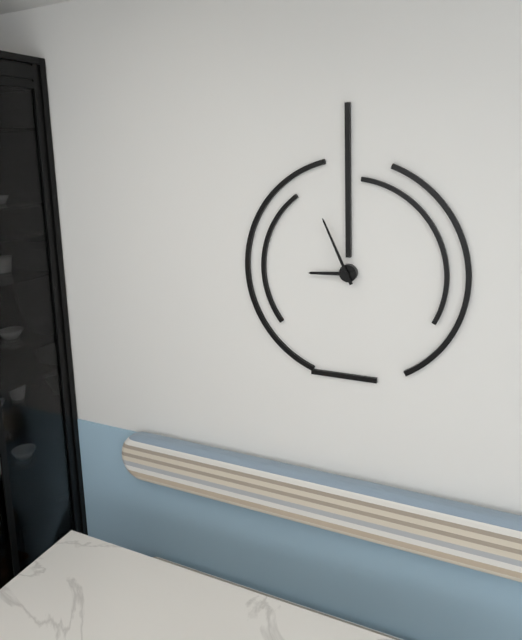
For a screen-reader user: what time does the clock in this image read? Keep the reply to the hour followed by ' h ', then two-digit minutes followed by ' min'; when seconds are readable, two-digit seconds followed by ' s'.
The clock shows 8 h 56 min
